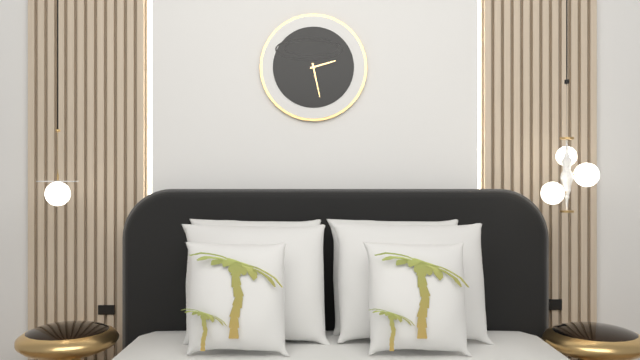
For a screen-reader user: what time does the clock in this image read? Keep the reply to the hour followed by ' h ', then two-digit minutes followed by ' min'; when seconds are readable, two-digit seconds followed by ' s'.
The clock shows 2 h 28 min
